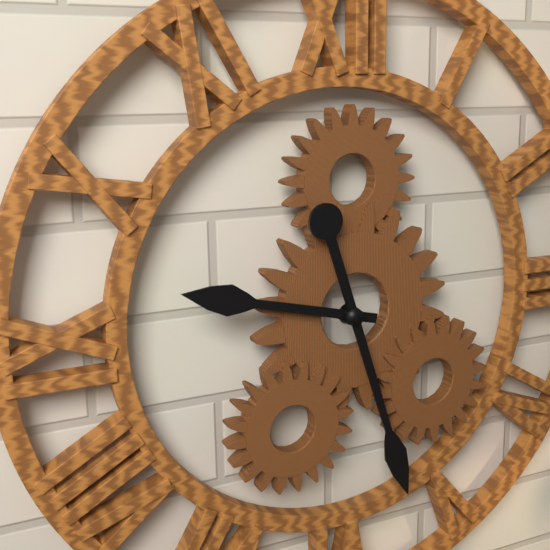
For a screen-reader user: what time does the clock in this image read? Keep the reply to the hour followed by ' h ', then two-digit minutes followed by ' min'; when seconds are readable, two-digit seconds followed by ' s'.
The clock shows 9 h 27 min
